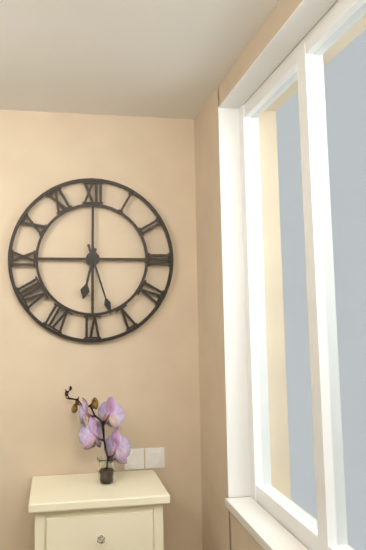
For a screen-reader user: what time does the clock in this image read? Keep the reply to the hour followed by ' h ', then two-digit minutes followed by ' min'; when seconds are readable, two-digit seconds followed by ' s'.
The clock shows 6 h 27 min
